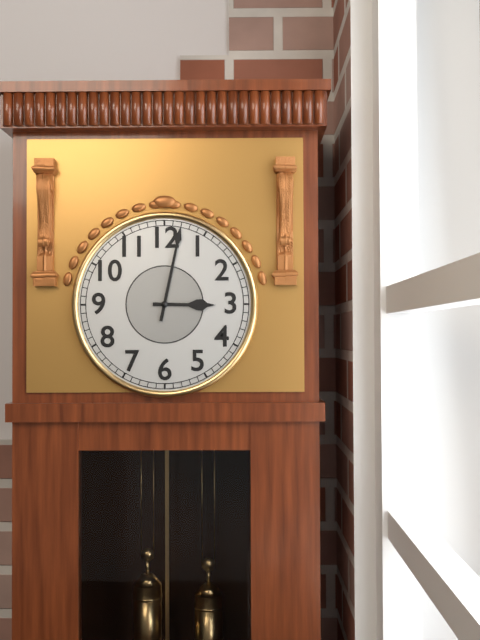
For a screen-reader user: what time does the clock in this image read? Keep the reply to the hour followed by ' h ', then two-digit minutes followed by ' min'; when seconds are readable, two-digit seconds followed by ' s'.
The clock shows 3 h 02 min
